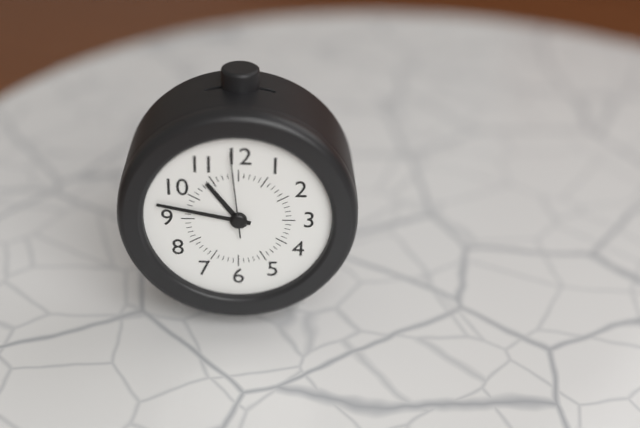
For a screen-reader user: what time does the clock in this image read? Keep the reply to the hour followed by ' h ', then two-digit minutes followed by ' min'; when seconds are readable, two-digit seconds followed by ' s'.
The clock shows 10 h 47 min 59 s
